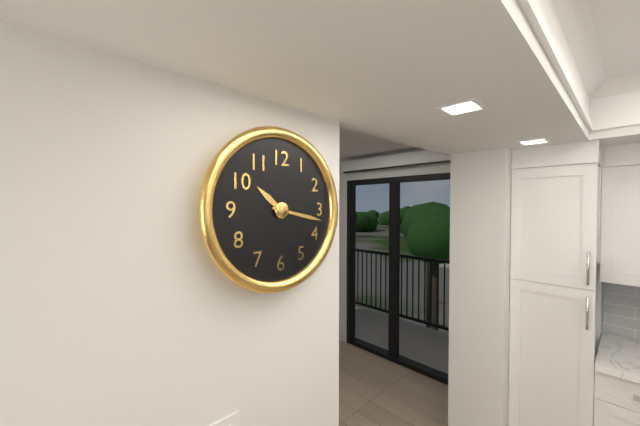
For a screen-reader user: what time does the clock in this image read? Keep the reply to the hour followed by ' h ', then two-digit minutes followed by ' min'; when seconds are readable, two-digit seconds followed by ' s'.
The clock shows 10 h 17 min
